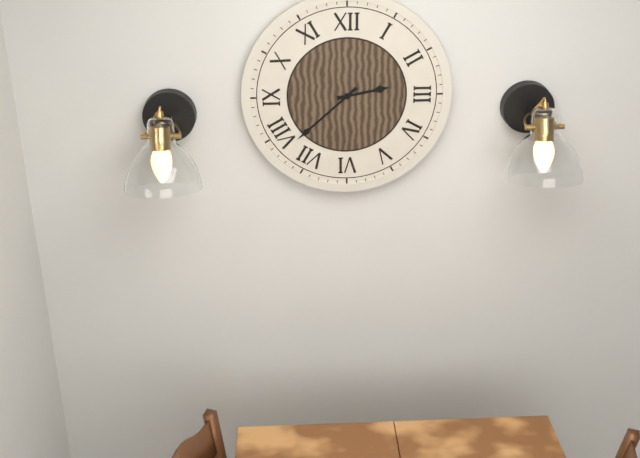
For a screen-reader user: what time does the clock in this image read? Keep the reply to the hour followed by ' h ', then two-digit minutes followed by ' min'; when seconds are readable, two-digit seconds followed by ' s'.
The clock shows 2 h 38 min
